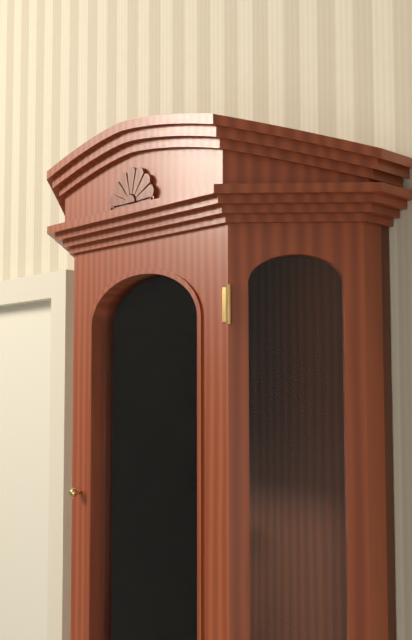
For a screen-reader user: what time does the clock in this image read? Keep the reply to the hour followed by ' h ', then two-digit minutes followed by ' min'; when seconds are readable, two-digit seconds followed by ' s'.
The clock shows 3 h 39 min
